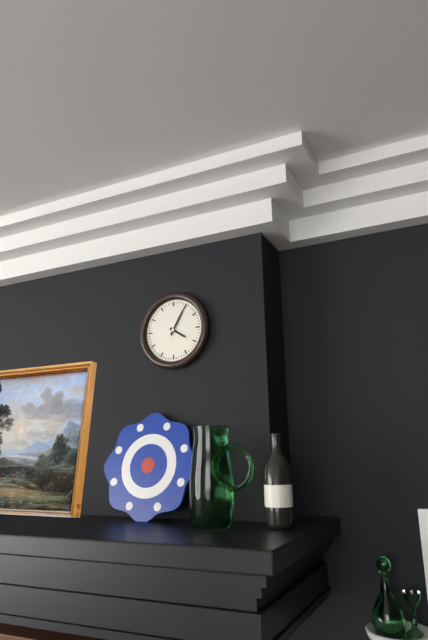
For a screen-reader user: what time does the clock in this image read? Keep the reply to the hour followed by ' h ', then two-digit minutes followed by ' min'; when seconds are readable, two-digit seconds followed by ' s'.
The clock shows 4 h 05 min
